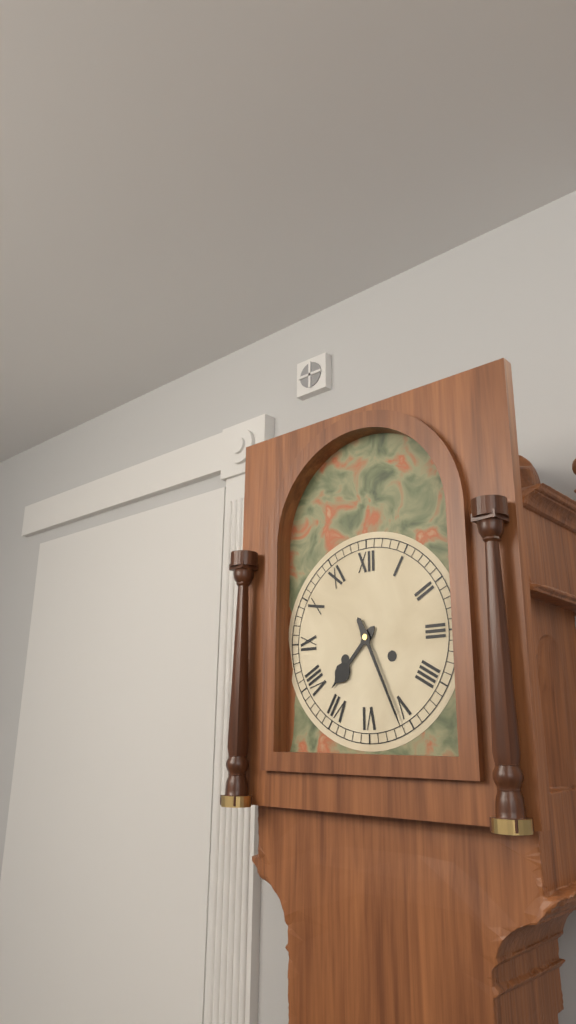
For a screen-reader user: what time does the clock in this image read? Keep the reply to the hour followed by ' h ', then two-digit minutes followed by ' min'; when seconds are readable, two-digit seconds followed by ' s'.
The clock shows 7 h 26 min
